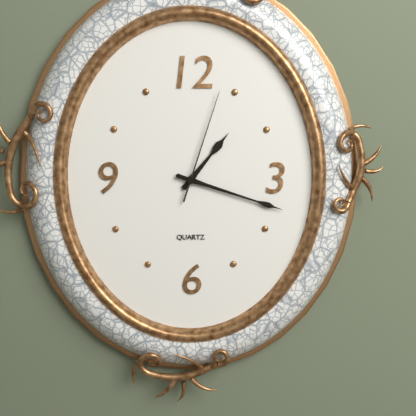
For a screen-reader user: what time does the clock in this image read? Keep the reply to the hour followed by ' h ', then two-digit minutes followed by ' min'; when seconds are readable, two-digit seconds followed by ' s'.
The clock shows 1 h 18 min 03 s
